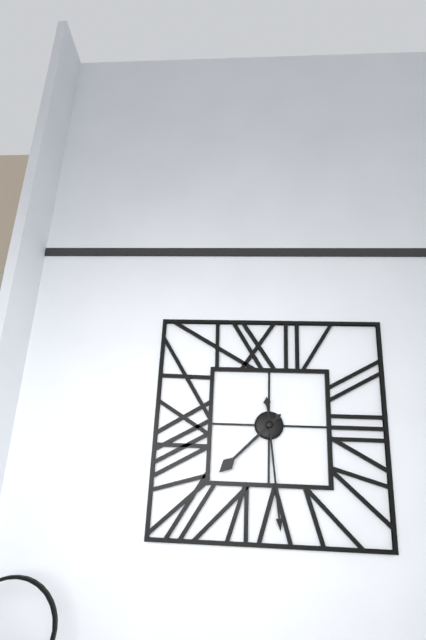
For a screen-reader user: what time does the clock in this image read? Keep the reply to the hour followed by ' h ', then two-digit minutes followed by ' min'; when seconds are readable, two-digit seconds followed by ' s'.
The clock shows 7 h 29 min
